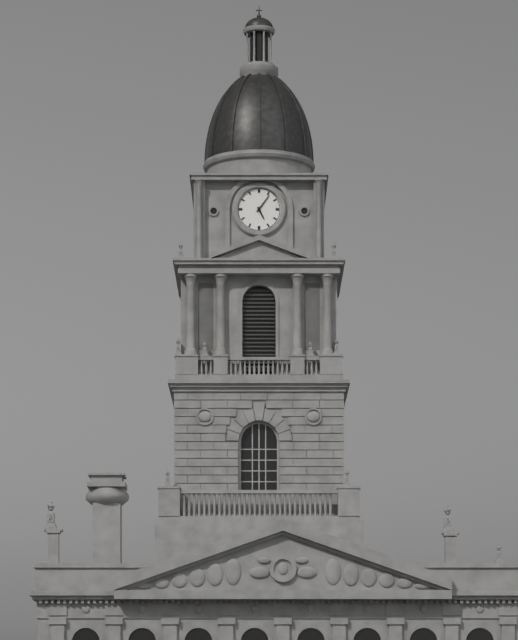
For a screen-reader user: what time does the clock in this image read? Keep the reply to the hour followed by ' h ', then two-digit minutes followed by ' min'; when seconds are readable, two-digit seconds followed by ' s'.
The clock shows 5 h 06 min
